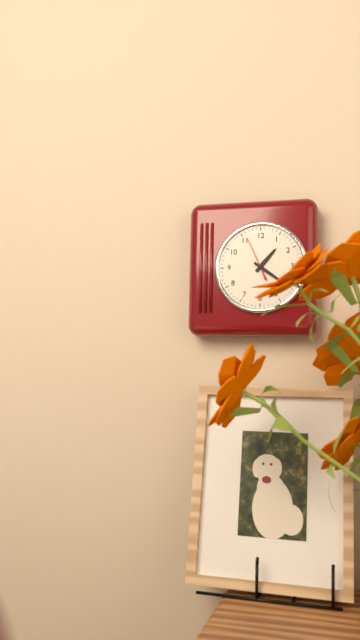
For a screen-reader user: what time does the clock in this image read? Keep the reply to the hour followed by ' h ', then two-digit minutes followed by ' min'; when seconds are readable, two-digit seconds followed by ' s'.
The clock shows 1 h 21 min
